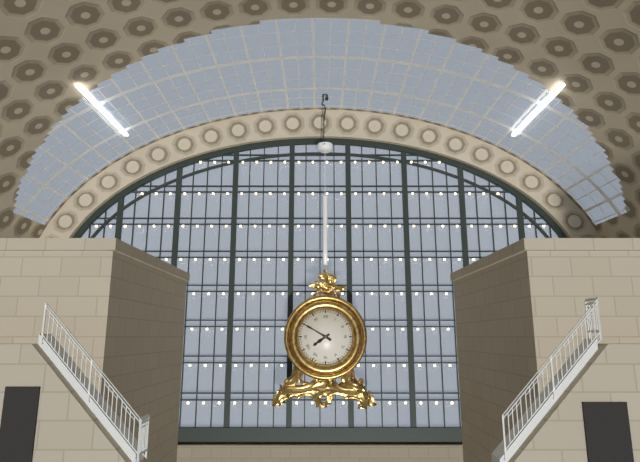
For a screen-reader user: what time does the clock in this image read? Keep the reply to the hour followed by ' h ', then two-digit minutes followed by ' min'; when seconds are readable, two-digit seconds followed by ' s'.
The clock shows 7 h 50 min
